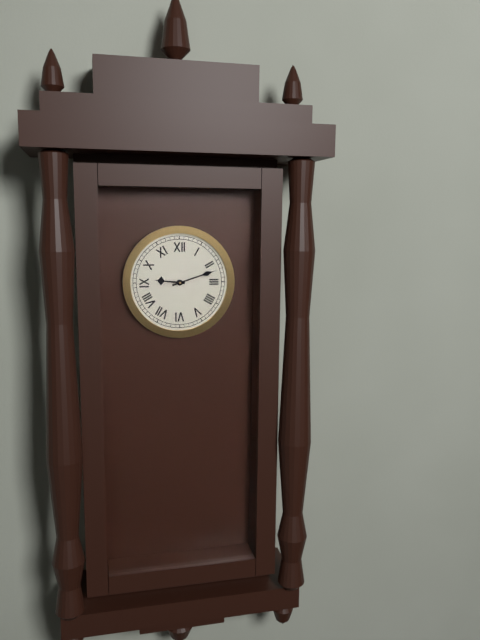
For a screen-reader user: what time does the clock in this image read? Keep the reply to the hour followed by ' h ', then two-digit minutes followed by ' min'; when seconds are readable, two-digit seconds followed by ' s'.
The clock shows 9 h 12 min
